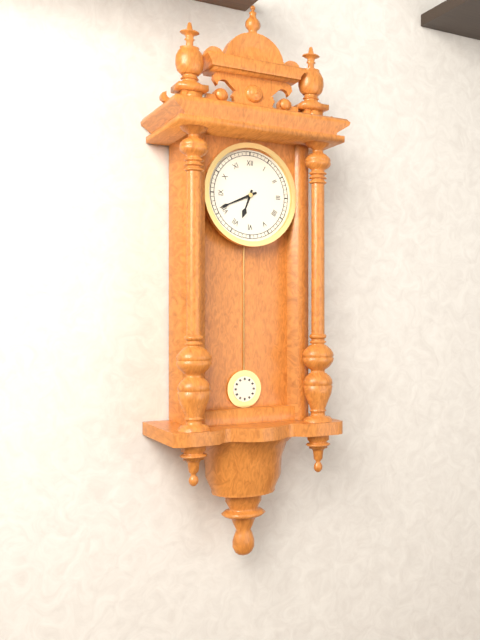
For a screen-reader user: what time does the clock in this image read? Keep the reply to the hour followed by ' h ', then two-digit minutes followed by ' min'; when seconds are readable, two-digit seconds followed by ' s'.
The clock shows 6 h 41 min
